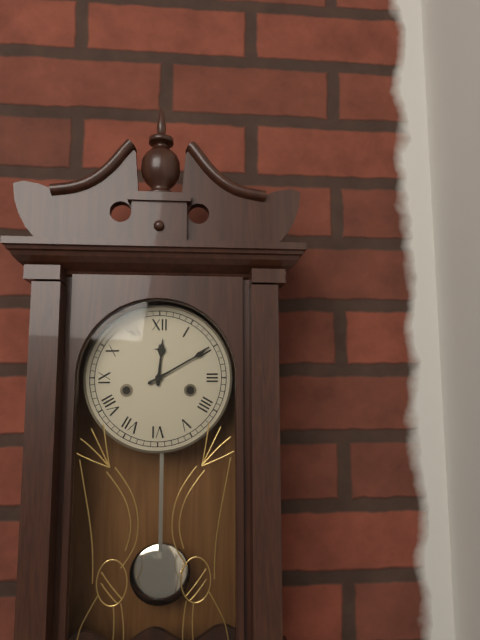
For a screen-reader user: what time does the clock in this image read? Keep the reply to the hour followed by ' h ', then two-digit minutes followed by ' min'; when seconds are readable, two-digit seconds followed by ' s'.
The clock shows 12 h 10 min
